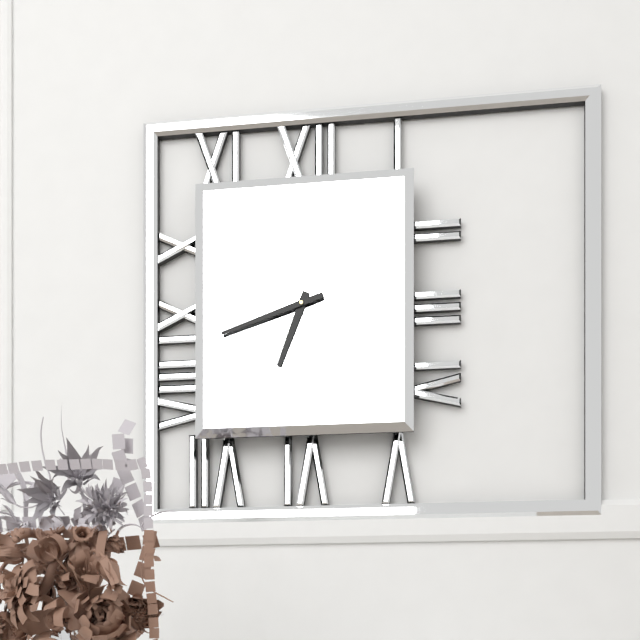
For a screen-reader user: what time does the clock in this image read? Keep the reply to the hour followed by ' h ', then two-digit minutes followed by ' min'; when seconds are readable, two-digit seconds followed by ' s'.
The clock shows 6 h 42 min
